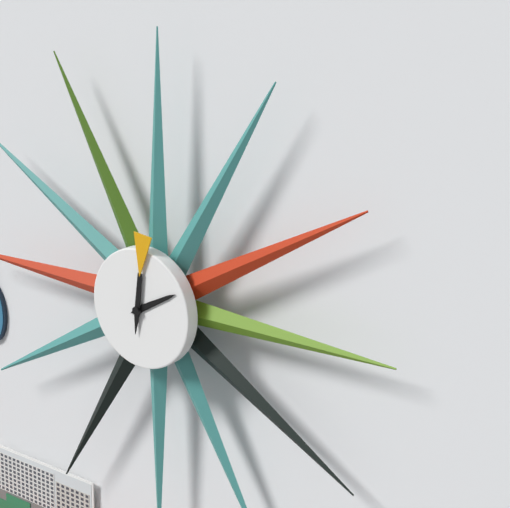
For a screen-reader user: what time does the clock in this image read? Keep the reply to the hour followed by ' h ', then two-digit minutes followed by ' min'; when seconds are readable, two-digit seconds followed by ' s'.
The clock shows 2 h 01 min
